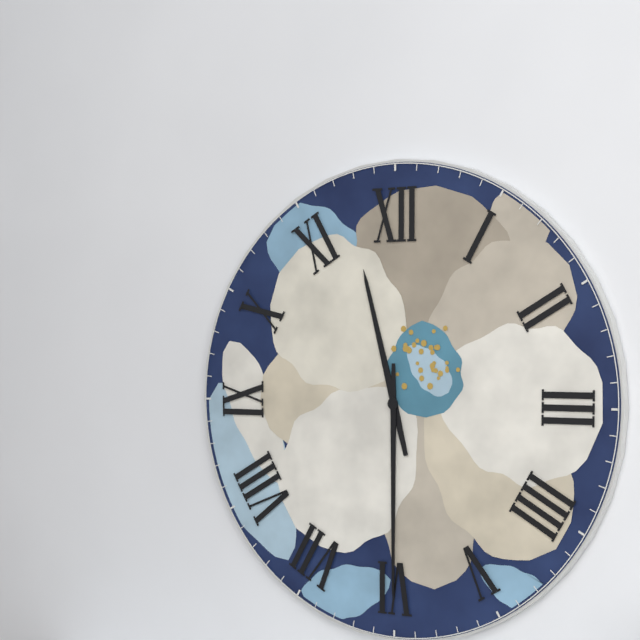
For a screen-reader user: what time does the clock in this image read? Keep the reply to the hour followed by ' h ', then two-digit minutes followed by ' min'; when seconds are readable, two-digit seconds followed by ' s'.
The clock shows 11 h 30 min
